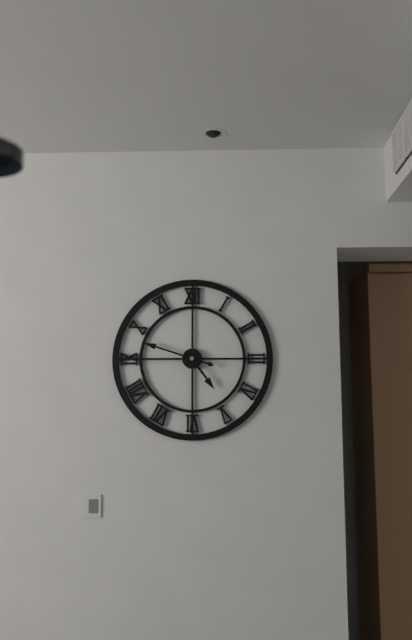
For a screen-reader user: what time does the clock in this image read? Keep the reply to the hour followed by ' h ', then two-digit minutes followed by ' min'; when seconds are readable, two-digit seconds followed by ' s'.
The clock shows 4 h 48 min
